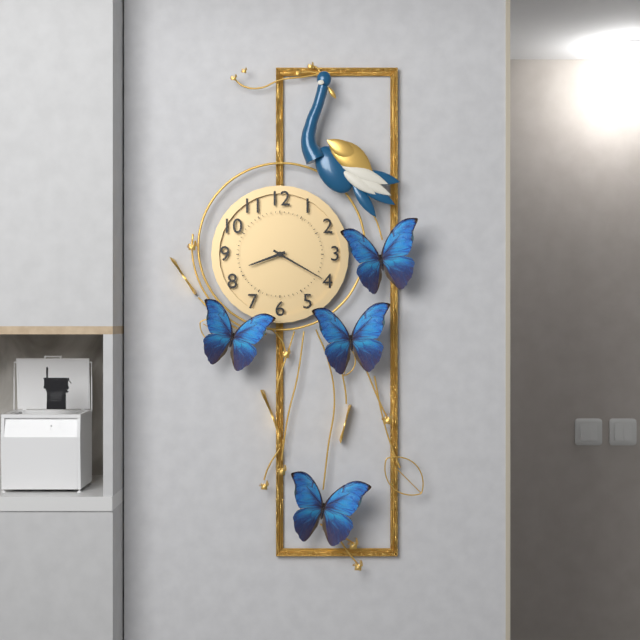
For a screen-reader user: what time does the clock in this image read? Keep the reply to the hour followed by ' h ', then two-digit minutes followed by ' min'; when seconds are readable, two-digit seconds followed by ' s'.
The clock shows 8 h 20 min
